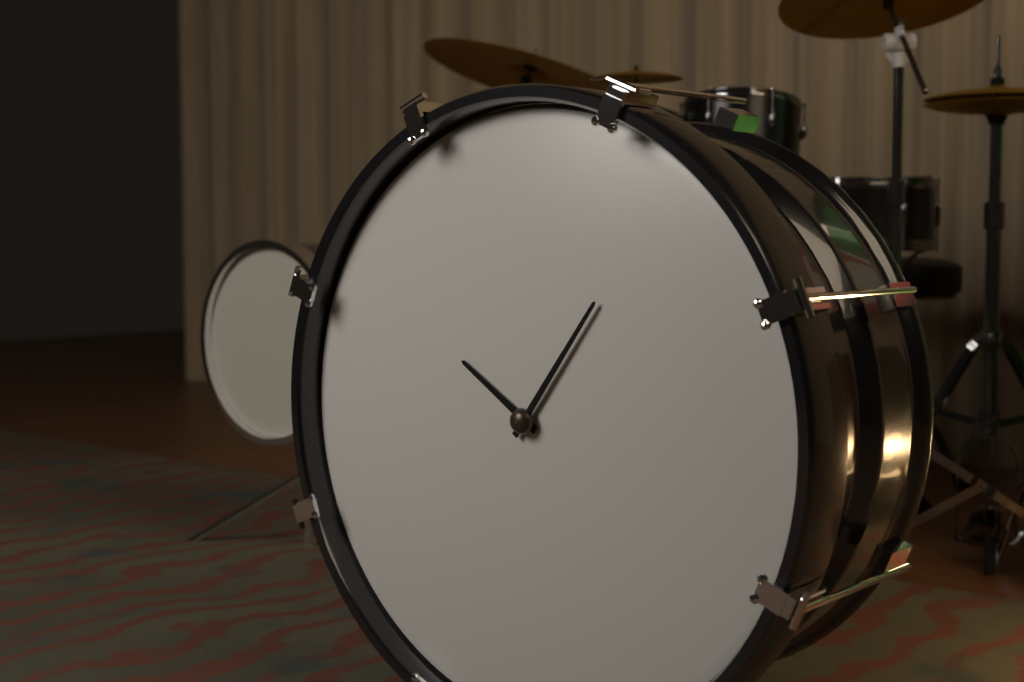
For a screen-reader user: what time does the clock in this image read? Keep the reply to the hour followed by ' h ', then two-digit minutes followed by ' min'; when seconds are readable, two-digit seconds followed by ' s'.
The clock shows 10 h 06 min
